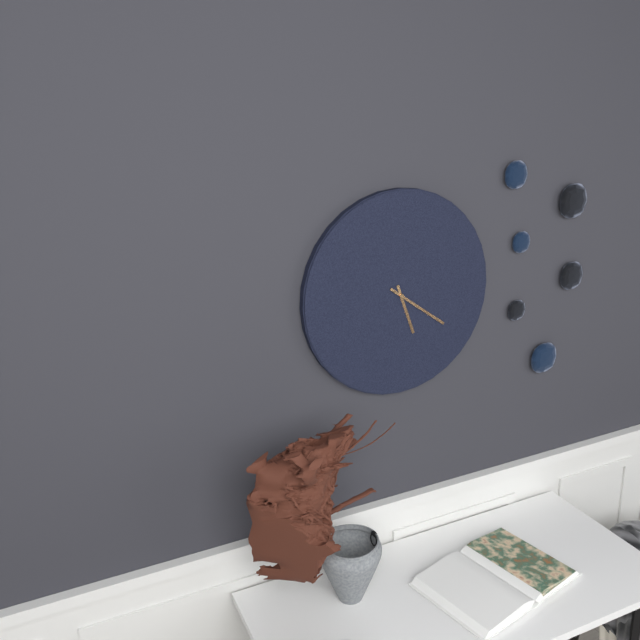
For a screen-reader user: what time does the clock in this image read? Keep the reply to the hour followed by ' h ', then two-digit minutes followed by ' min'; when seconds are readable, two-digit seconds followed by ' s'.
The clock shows 5 h 21 min
